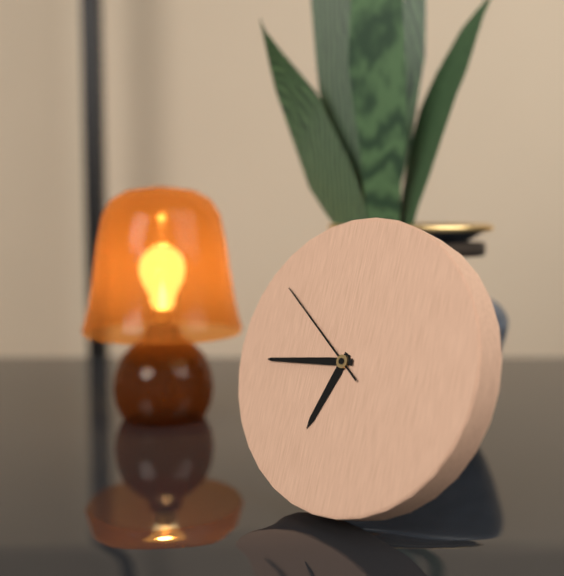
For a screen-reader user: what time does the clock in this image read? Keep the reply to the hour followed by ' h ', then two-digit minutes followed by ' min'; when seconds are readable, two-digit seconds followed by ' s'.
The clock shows 6 h 44 min 51 s
